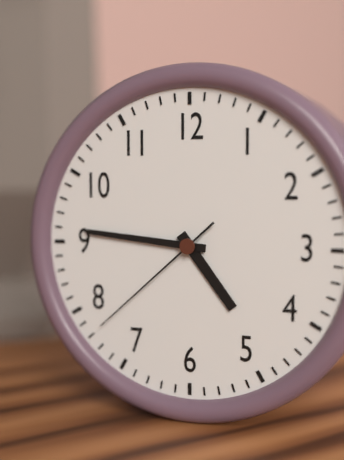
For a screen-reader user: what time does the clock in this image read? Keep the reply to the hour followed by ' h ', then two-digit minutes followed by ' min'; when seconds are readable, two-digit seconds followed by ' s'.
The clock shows 4 h 46 min 38 s
